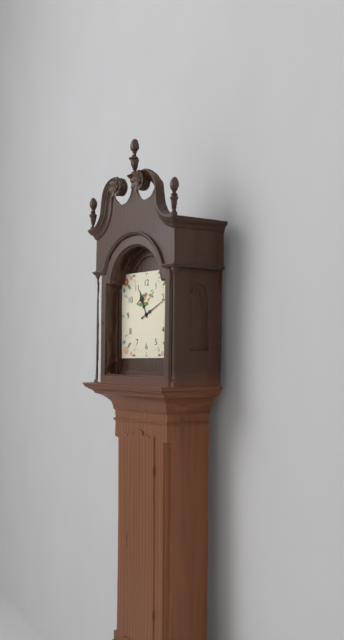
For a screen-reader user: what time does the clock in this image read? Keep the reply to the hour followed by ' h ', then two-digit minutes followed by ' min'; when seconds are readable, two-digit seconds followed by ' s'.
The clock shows 11 h 11 min
